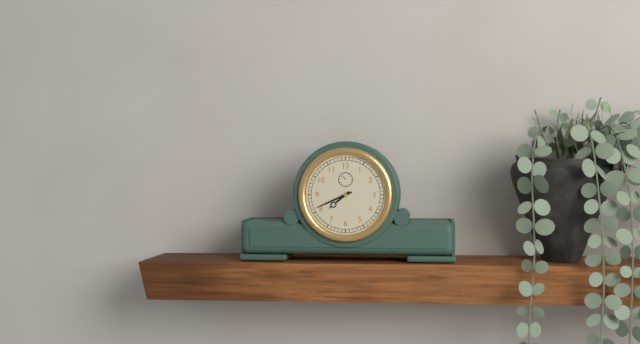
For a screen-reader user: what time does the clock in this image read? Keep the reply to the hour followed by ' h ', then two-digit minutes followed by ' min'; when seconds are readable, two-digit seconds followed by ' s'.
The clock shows 7 h 41 min
